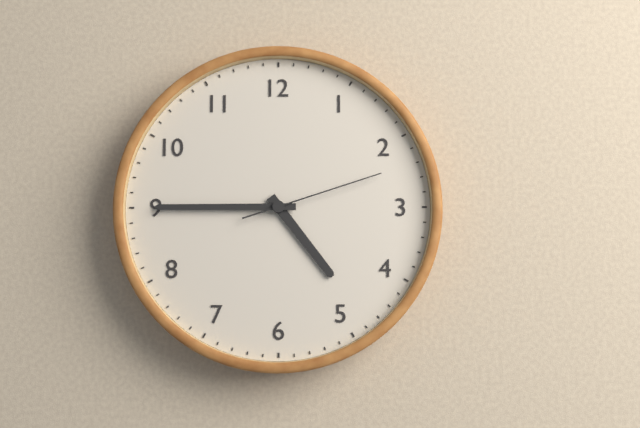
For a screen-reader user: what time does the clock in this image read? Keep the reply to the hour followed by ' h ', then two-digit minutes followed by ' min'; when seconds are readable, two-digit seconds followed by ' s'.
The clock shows 4 h 45 min 12 s
